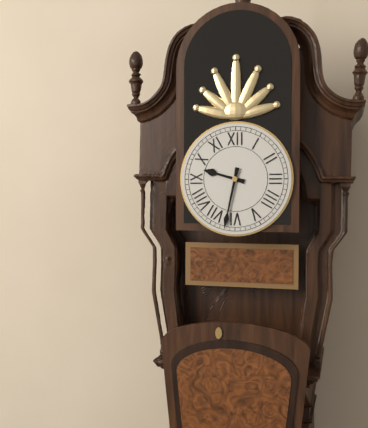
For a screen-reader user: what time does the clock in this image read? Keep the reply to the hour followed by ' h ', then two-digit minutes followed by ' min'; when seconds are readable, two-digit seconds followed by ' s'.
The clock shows 9 h 32 min
